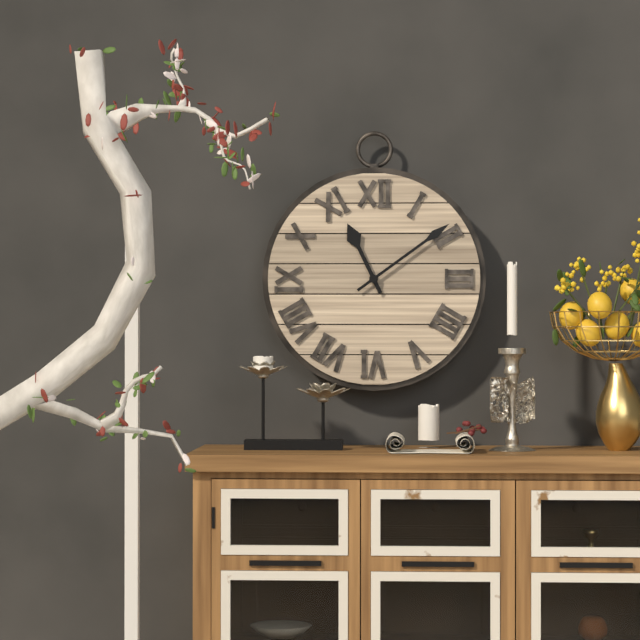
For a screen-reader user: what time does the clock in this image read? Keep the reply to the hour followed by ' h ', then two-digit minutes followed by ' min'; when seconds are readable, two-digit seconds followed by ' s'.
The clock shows 11 h 09 min
